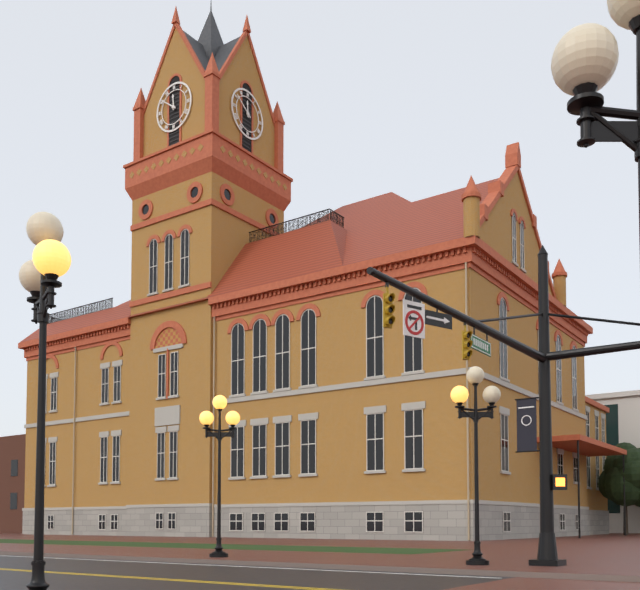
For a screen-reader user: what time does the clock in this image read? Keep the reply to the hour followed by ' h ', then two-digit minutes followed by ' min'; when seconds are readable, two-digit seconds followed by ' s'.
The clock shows 11 h 51 min
